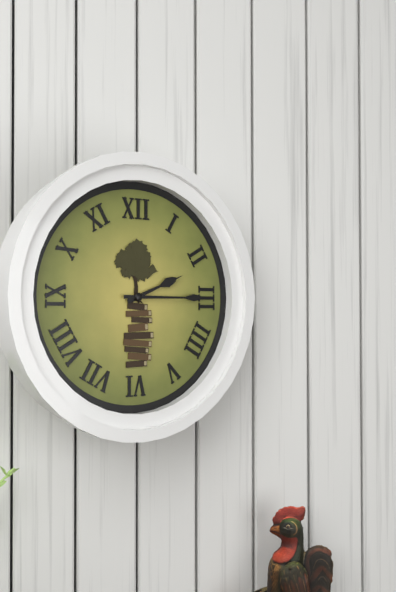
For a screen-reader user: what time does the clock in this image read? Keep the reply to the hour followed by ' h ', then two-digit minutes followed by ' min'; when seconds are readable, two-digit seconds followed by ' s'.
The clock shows 2 h 15 min
